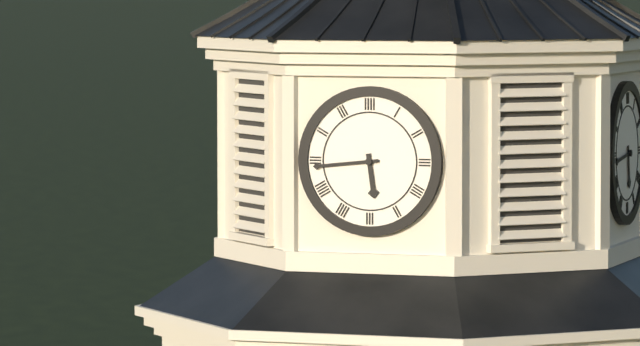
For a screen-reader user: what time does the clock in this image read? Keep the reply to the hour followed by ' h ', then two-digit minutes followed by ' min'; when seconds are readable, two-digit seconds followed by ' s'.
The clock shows 5 h 44 min
